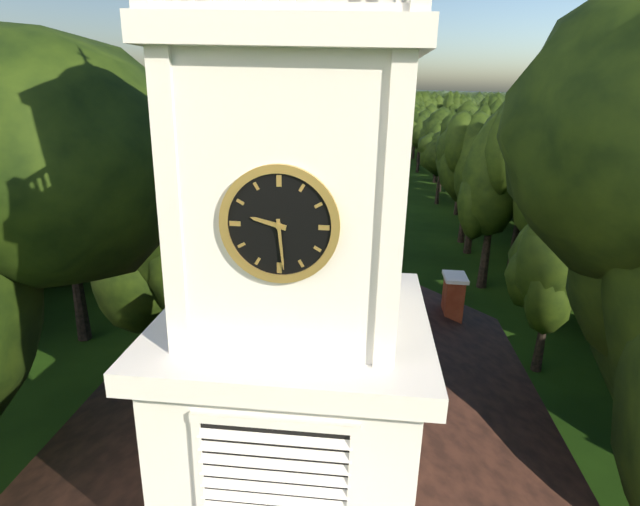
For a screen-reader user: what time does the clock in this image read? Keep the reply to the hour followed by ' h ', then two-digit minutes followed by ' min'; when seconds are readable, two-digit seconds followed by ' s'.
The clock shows 9 h 29 min
